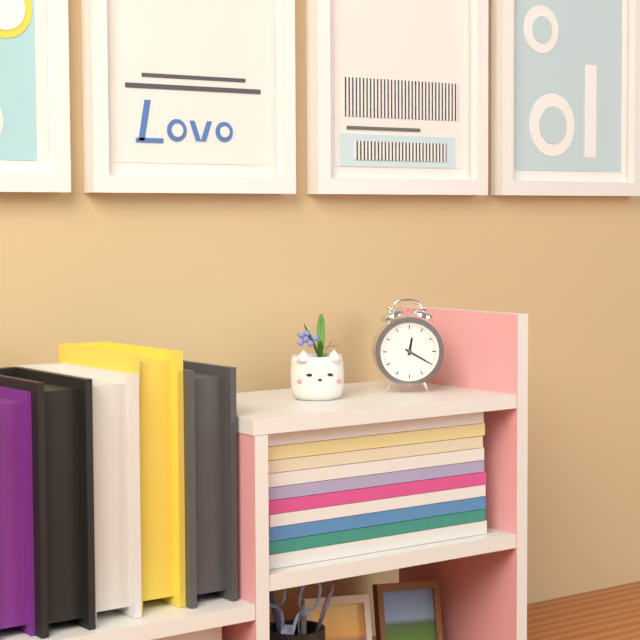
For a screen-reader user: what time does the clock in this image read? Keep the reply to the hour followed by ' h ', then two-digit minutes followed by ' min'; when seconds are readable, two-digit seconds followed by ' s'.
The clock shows 12 h 20 min
